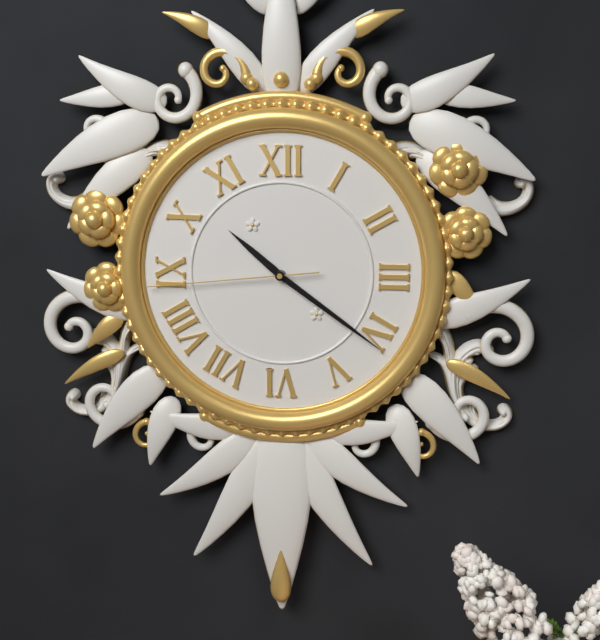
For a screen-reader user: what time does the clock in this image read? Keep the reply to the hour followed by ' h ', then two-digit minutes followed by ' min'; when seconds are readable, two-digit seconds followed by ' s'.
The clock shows 10 h 21 min 44 s
